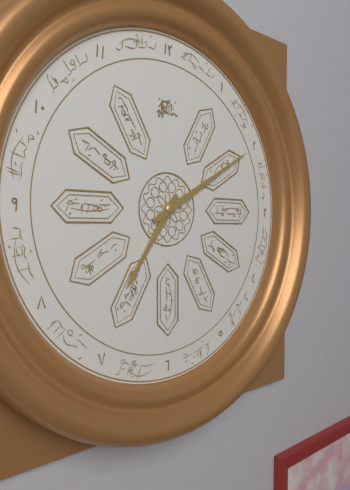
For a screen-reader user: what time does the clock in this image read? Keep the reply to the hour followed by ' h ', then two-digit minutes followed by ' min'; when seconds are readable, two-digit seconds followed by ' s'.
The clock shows 7 h 10 min
